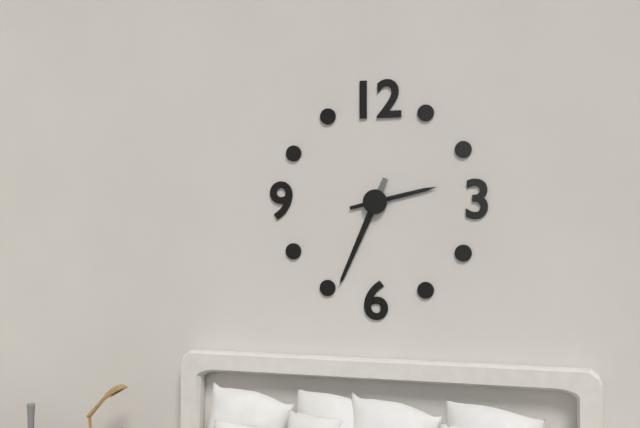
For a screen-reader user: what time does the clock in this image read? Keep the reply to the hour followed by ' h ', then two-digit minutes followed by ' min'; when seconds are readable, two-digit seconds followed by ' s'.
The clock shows 2 h 34 min
